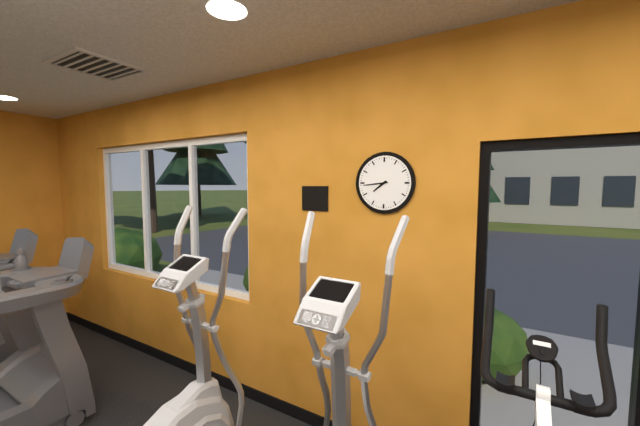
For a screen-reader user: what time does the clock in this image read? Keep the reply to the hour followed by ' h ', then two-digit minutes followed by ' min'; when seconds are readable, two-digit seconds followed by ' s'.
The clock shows 7 h 44 min
